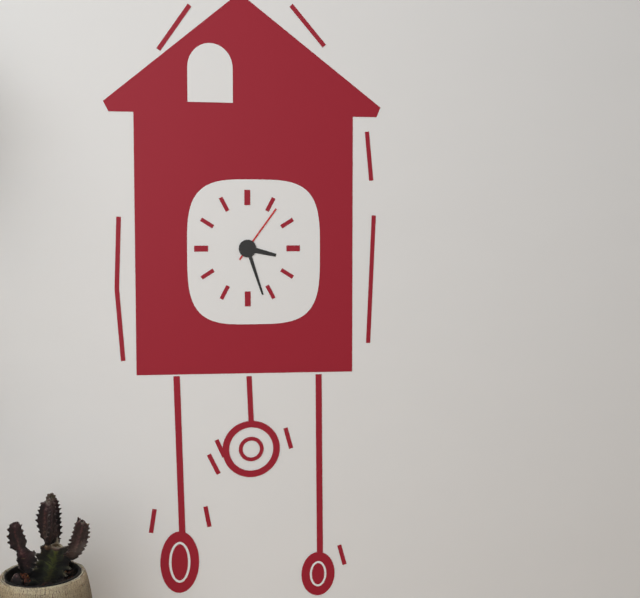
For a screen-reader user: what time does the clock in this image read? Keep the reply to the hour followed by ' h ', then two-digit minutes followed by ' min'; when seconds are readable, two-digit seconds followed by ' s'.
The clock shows 3 h 27 min 06 s
